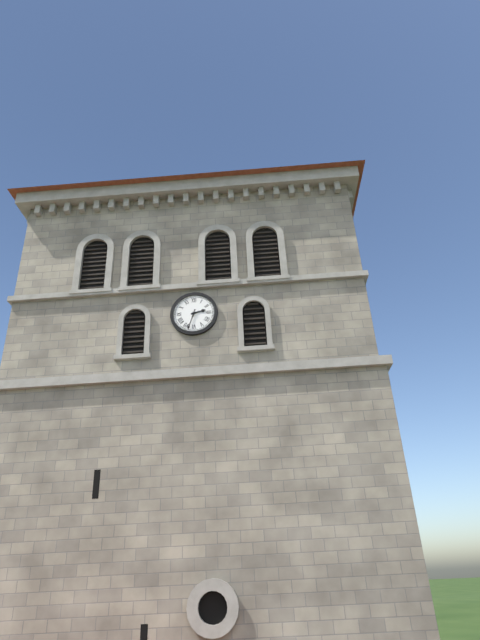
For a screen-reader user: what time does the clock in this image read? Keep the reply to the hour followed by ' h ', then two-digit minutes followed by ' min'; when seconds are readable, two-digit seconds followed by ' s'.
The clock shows 2 h 33 min
